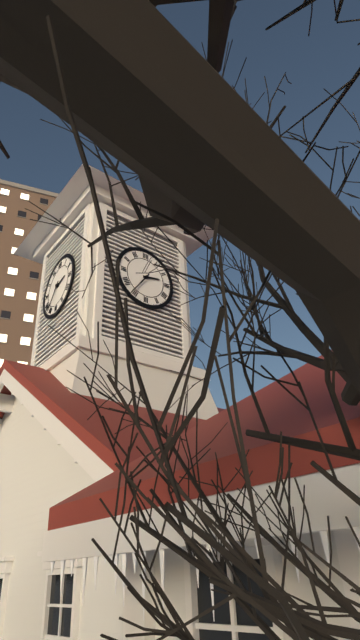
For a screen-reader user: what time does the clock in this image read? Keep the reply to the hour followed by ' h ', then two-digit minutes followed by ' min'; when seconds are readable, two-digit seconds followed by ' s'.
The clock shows 2 h 36 min
